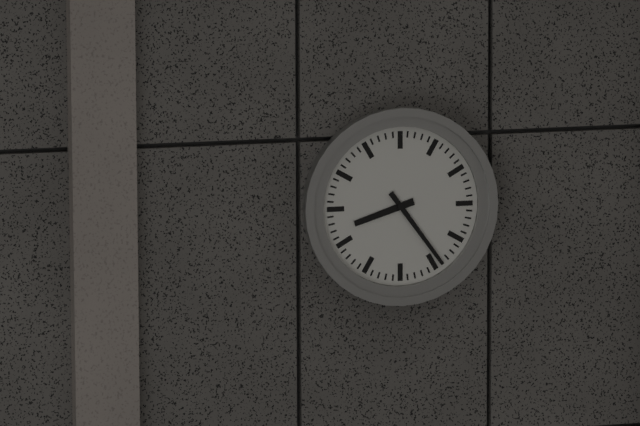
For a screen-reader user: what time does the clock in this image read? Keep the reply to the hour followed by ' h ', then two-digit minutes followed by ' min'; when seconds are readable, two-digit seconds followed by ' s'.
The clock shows 8 h 24 min
